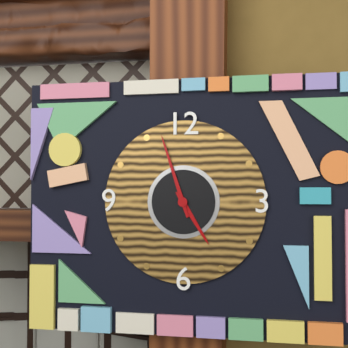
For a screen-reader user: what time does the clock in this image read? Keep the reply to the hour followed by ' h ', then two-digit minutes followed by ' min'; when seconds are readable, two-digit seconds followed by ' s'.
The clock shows 4 h 57 min
